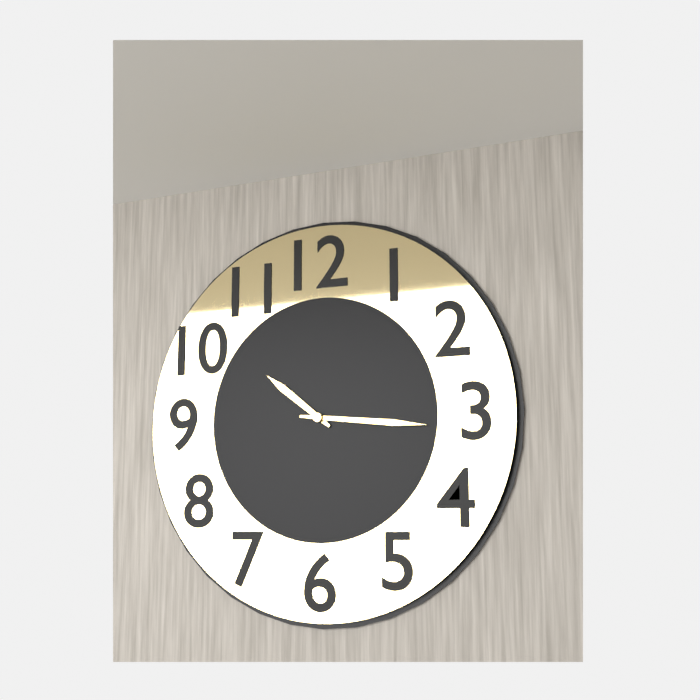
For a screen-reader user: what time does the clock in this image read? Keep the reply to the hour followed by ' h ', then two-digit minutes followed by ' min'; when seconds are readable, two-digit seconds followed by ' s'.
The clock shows 10 h 16 min
